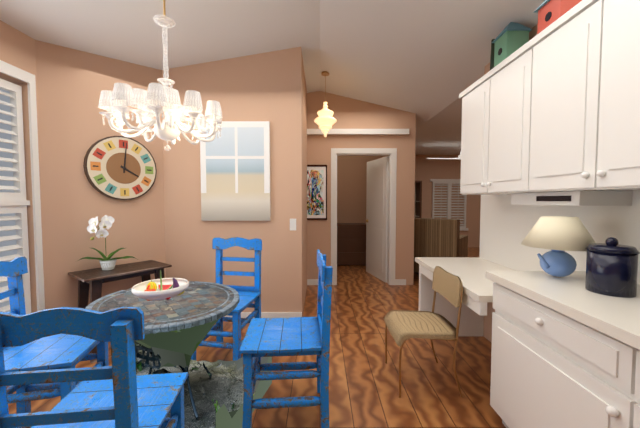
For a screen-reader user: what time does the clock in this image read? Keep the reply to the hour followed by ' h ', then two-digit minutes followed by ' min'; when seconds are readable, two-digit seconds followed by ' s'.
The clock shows 4 h 01 min
